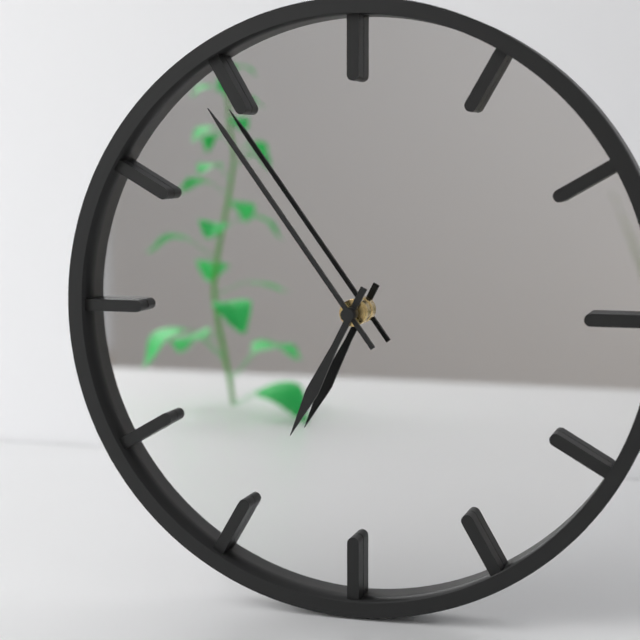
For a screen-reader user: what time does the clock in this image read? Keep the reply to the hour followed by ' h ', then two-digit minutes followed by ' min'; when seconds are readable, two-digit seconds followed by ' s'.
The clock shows 6 h 54 min
